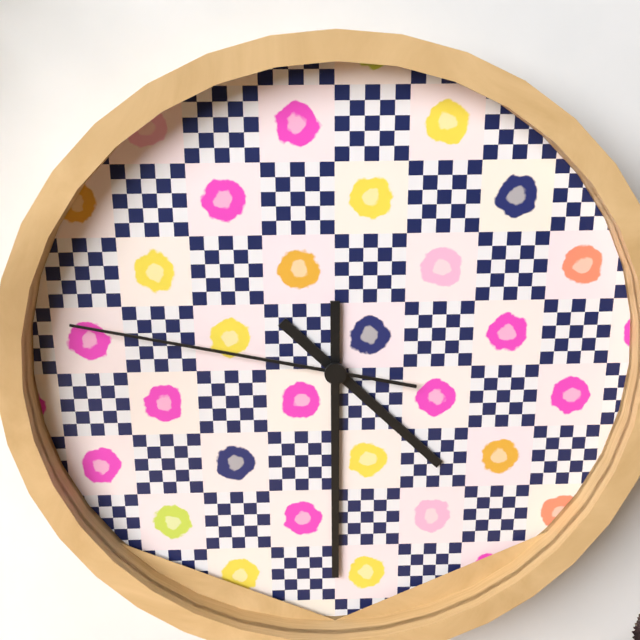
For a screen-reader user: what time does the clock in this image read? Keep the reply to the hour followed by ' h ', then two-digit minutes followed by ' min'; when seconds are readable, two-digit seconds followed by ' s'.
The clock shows 4 h 30 min 47 s
